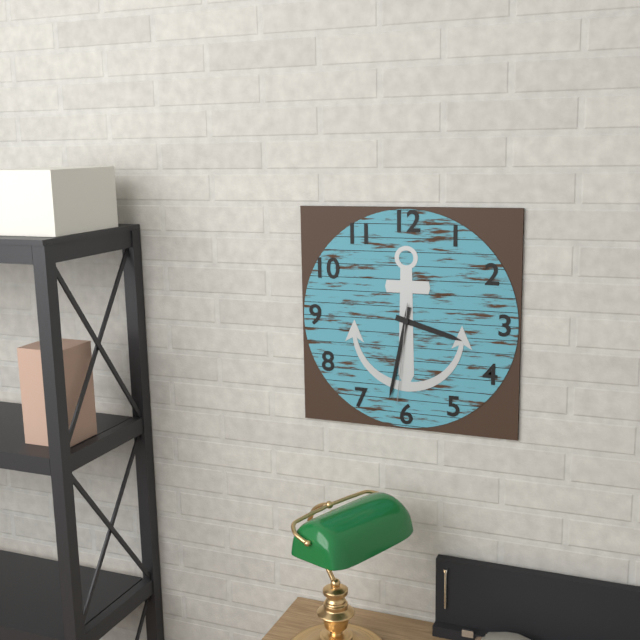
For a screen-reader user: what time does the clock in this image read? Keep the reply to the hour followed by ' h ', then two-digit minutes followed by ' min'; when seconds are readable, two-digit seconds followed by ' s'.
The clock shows 3 h 32 min 31 s
